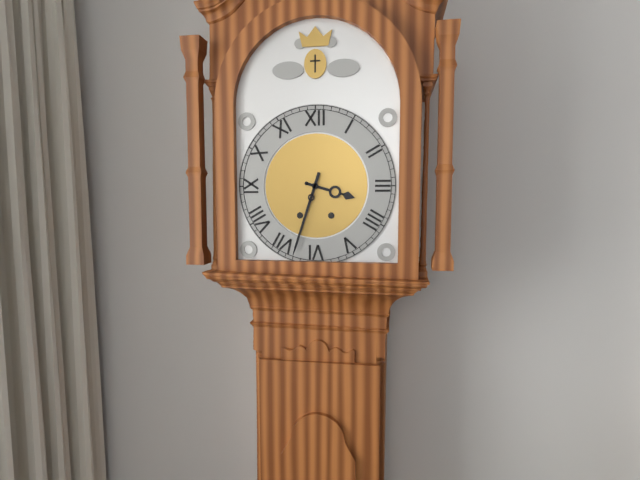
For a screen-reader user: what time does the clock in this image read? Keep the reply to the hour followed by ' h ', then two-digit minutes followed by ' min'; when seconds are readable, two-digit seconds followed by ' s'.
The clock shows 3 h 33 min
